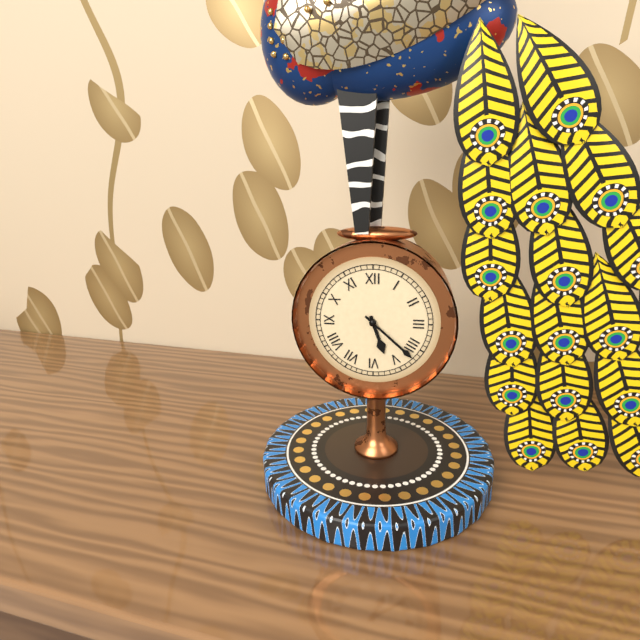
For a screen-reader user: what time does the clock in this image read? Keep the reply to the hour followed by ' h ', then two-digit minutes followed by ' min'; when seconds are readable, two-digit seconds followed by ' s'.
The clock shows 5 h 22 min
